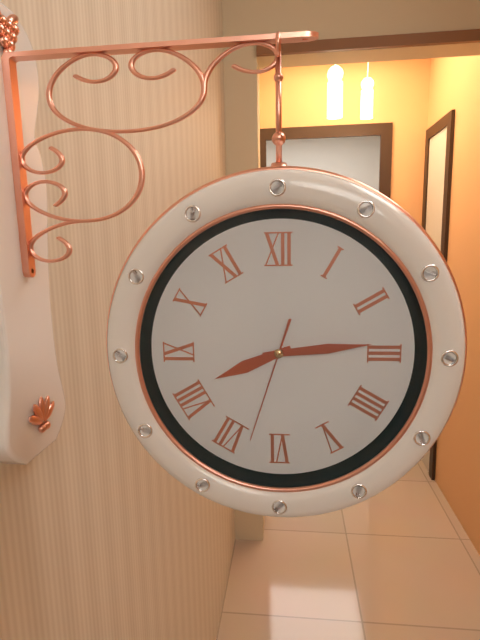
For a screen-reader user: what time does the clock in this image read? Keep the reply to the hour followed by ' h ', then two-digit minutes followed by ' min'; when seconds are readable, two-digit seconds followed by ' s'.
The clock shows 8 h 14 min 33 s
